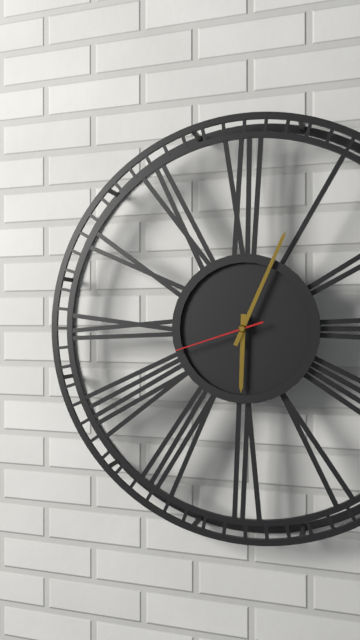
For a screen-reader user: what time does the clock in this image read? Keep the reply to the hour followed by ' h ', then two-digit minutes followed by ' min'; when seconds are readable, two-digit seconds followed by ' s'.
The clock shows 6 h 04 min 42 s
